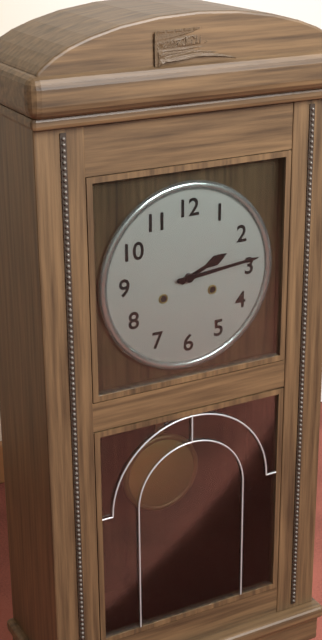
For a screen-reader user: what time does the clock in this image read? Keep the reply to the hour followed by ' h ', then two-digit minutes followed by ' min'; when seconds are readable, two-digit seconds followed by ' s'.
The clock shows 2 h 14 min
